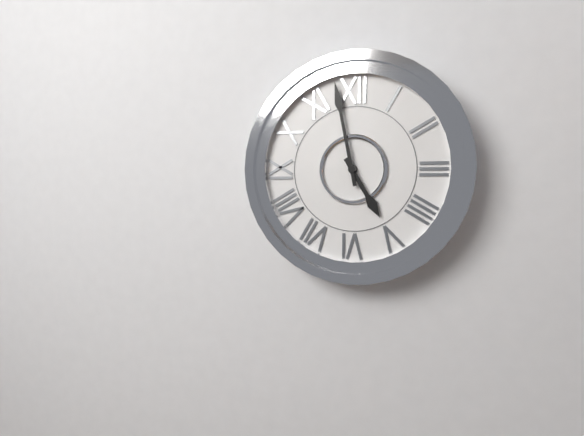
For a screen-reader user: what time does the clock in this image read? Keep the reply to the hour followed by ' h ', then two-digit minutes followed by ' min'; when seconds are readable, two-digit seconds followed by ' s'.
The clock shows 4 h 58 min
